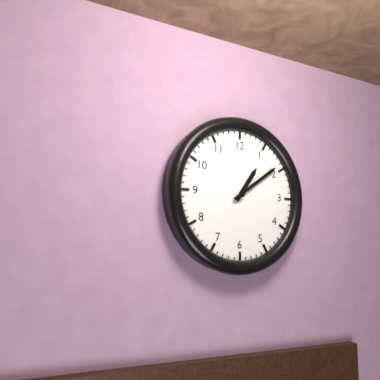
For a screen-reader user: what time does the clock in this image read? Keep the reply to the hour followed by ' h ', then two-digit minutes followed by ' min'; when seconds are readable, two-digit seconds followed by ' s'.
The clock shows 1 h 09 min
